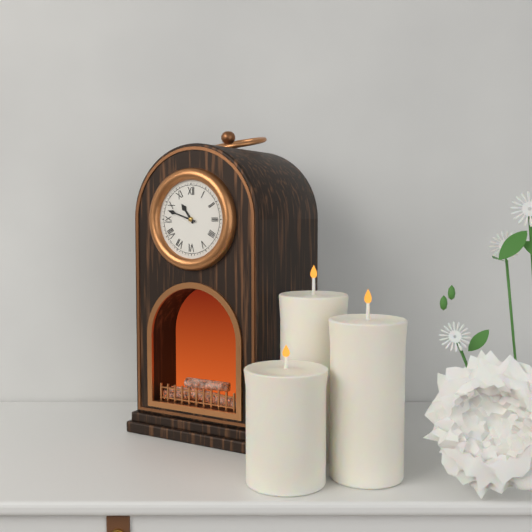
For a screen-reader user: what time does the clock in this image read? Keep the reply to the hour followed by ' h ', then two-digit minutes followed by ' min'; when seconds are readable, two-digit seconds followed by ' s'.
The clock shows 10 h 48 min
